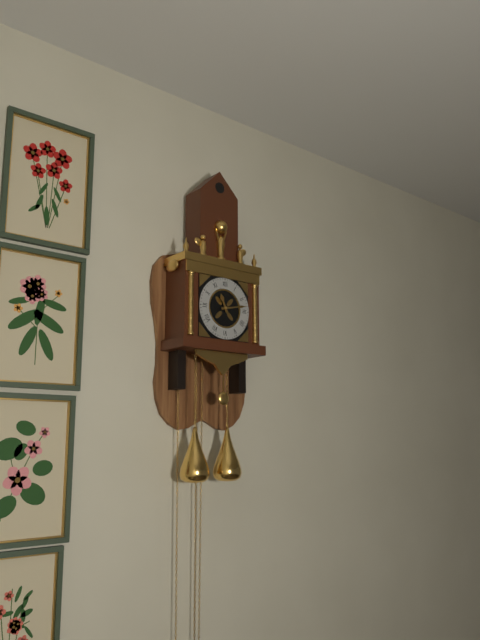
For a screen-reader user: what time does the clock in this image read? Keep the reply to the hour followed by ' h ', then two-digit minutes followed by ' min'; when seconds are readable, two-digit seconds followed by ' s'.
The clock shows 11 h 13 min
